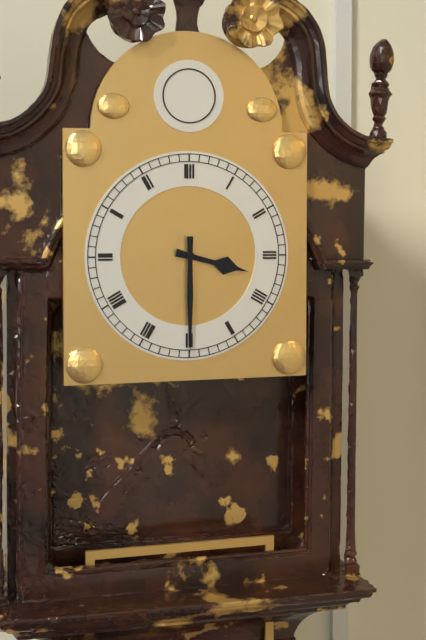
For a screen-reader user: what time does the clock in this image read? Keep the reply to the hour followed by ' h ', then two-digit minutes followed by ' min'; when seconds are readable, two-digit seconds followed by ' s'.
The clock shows 3 h 30 min
